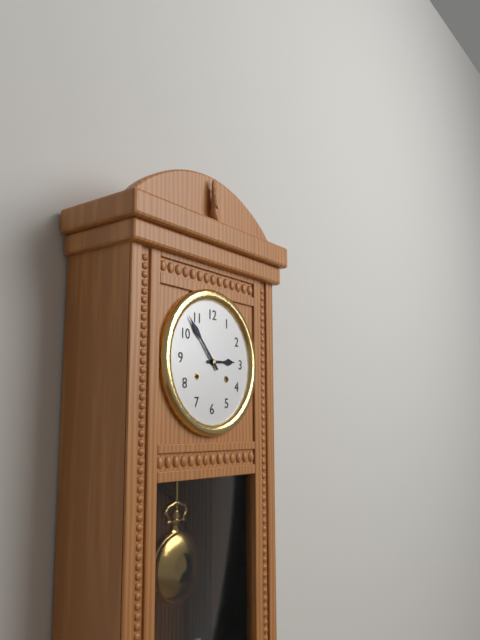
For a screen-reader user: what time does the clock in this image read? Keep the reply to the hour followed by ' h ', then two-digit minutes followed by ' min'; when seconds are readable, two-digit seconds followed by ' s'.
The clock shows 2 h 53 min
